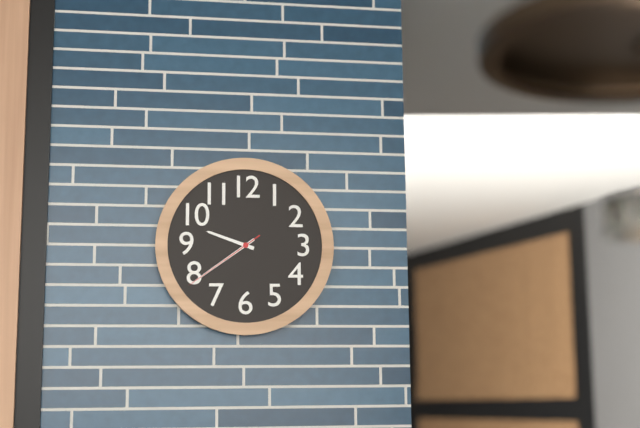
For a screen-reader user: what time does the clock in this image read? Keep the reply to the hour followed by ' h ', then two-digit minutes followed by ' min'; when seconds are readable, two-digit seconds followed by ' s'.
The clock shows 9 h 39 min 39 s
